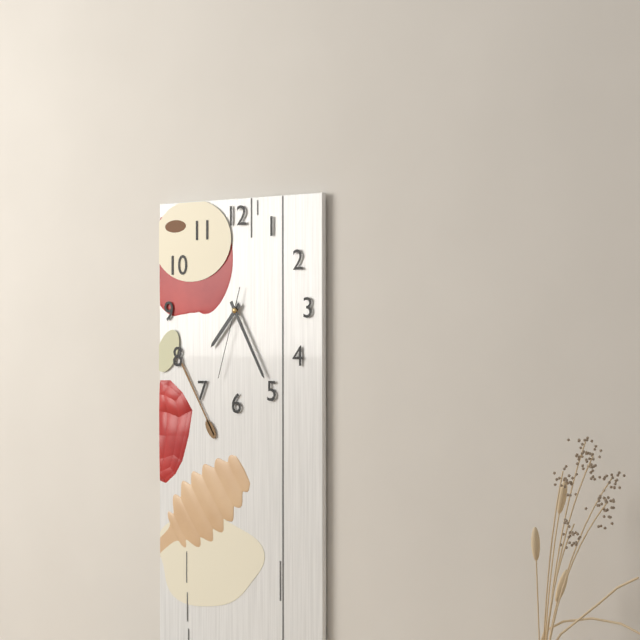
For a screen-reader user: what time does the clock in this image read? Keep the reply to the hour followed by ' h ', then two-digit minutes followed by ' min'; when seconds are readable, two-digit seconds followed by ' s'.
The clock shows 7 h 25 min 33 s
